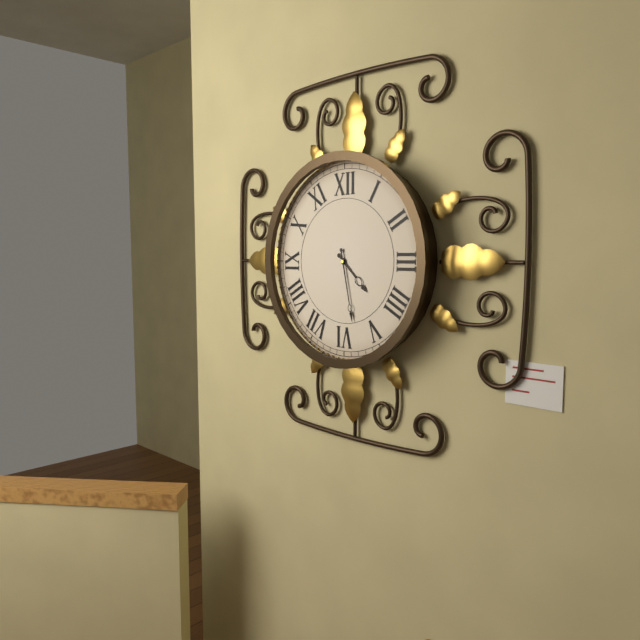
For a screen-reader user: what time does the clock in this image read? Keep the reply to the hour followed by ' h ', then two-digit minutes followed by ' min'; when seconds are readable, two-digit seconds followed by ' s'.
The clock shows 4 h 28 min
